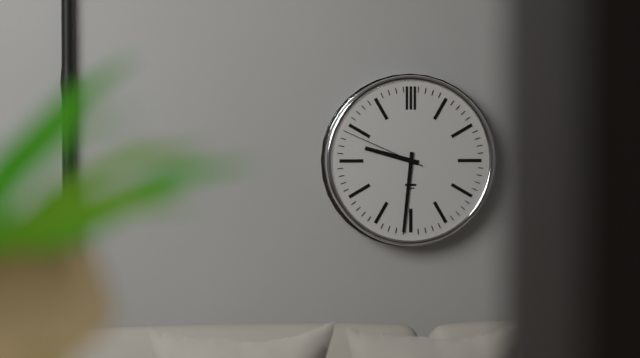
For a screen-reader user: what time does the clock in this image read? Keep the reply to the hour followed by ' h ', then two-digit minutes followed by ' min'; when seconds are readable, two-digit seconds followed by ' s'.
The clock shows 9 h 31 min 49 s
